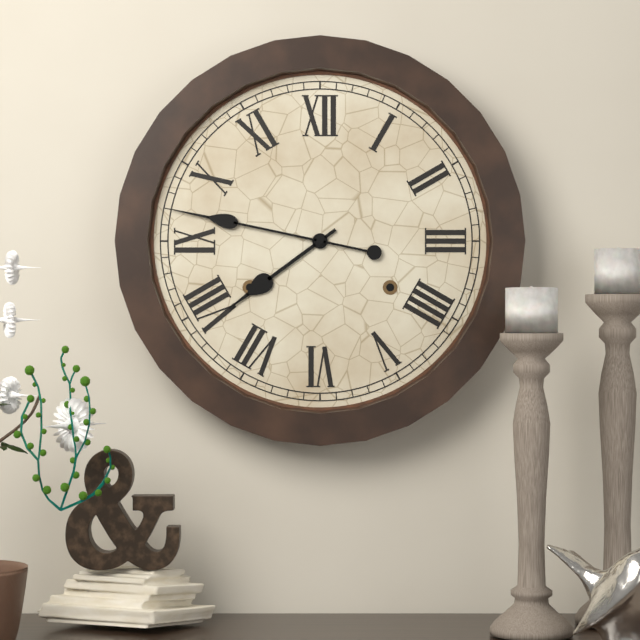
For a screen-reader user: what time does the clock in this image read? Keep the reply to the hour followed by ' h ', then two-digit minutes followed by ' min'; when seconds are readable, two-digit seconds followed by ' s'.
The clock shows 7 h 47 min
